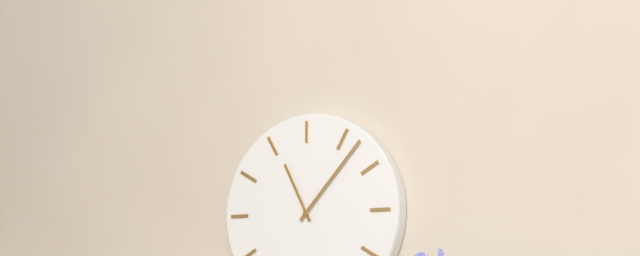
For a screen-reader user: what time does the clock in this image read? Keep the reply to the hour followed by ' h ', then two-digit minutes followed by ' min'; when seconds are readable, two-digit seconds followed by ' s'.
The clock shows 11 h 07 min
